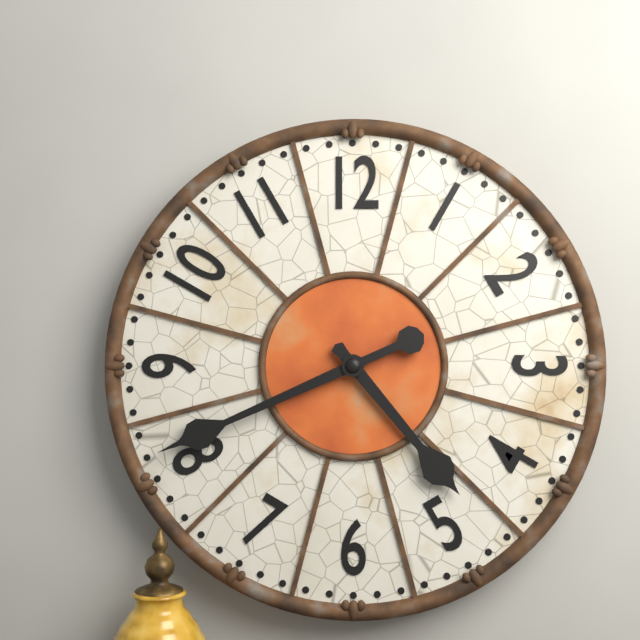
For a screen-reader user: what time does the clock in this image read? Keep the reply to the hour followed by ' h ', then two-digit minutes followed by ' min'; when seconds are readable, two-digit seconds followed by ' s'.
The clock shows 4 h 41 min
